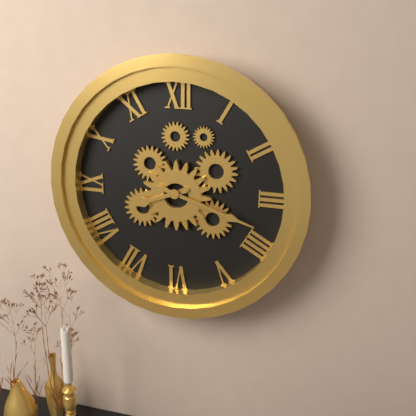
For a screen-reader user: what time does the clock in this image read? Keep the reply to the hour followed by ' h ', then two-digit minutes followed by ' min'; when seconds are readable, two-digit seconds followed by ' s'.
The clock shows 8 h 18 min
